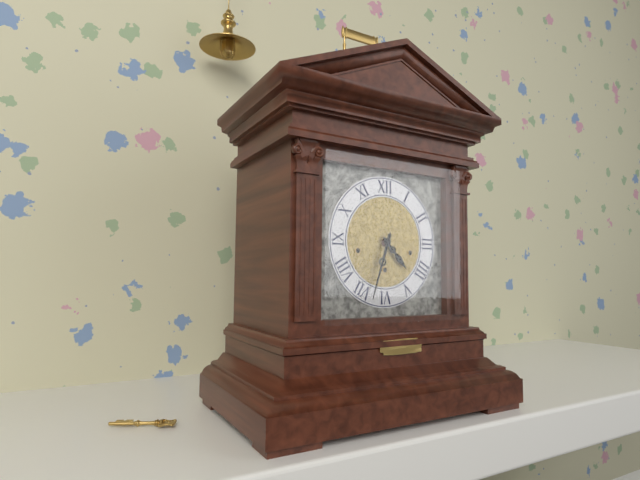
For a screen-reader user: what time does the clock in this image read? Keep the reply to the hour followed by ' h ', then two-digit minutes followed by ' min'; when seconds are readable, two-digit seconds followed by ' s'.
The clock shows 4 h 33 min
